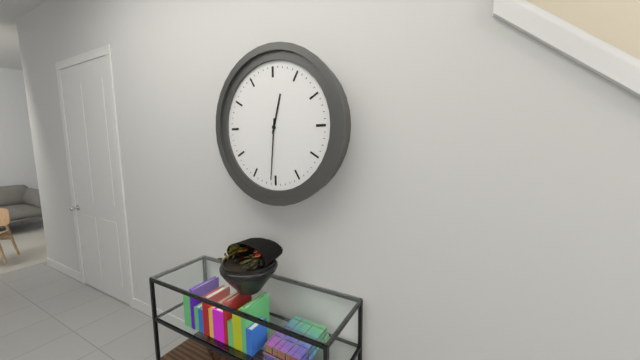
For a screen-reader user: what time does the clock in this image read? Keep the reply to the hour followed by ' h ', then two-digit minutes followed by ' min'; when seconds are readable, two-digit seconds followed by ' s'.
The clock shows 12 h 31 min
